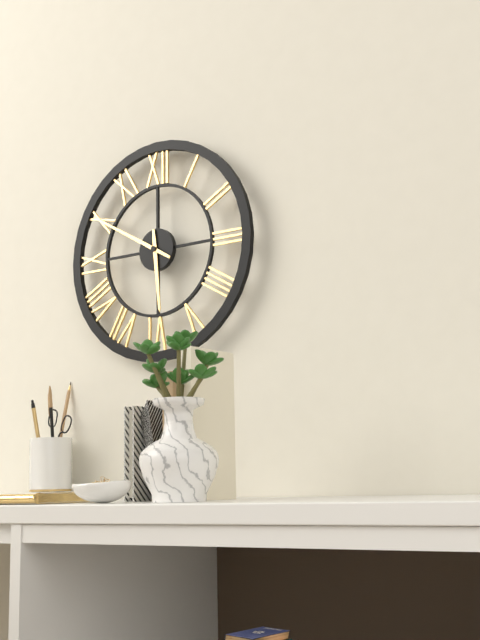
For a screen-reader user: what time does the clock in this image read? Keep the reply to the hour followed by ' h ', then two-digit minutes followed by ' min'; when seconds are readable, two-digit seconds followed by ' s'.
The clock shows 5 h 50 min
